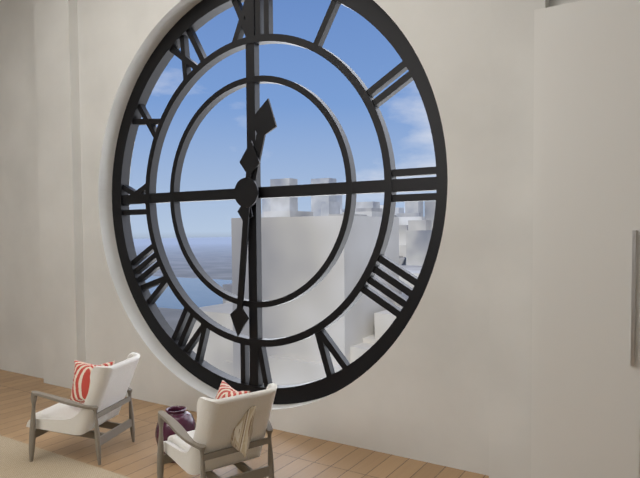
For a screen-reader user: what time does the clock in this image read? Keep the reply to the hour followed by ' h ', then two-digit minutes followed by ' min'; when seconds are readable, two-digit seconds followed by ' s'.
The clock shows 12 h 31 min
